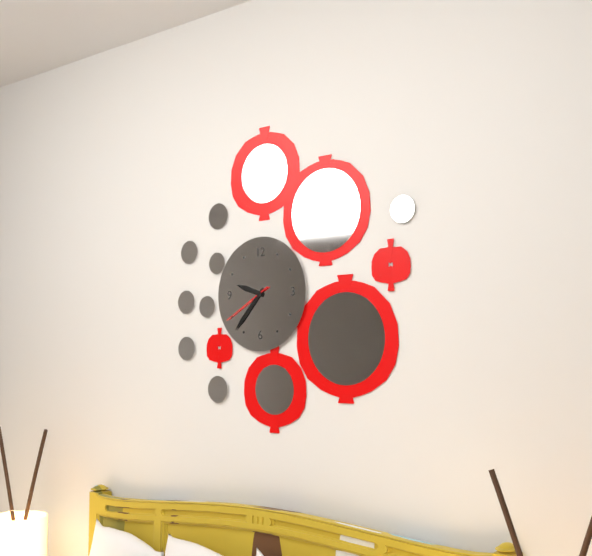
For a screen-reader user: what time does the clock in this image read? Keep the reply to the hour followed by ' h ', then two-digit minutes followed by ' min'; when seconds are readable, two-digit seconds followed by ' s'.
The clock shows 9 h 37 min 40 s
